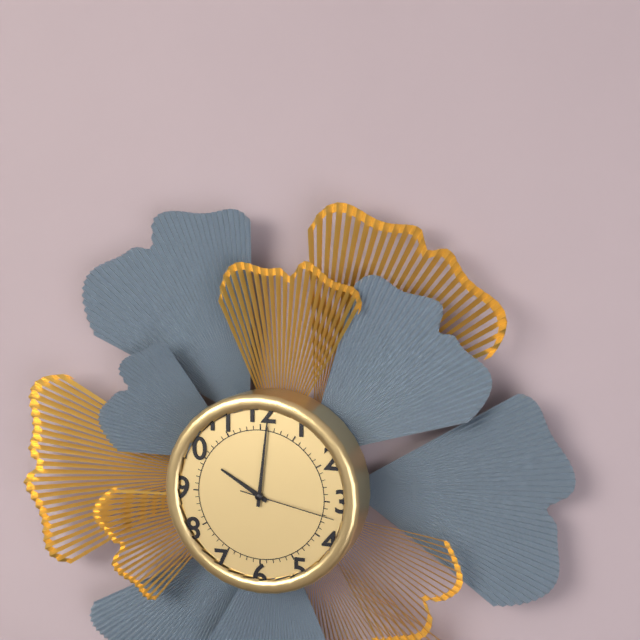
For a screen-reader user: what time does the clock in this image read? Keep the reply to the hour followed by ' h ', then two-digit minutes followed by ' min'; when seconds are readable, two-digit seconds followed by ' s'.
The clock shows 10 h 01 min 17 s
